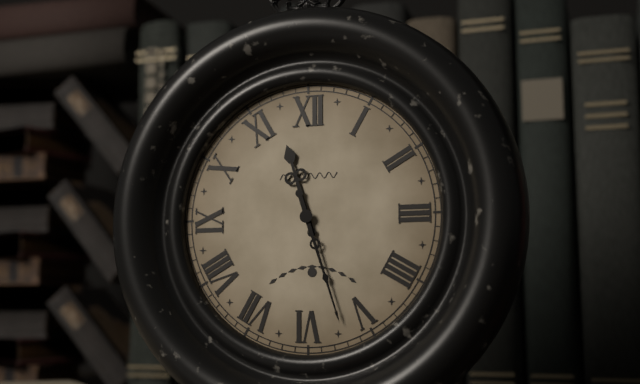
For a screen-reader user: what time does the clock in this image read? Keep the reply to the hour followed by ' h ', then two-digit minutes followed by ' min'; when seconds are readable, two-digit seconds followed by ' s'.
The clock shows 11 h 27 min
